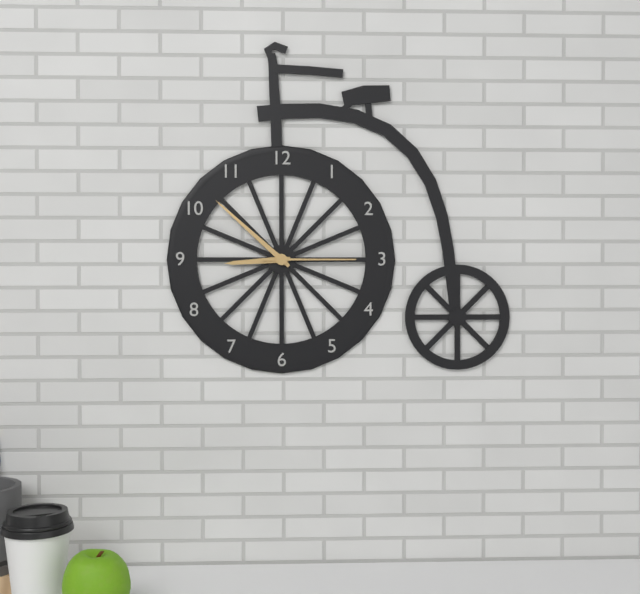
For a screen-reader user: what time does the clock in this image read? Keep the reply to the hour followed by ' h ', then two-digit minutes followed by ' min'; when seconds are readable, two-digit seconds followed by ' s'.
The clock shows 8 h 52 min 15 s
